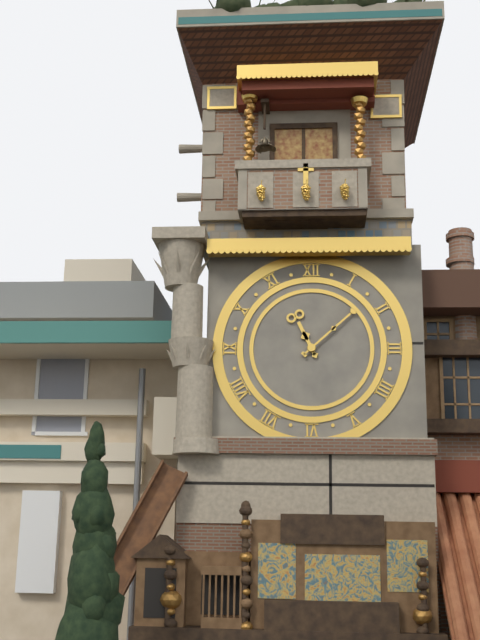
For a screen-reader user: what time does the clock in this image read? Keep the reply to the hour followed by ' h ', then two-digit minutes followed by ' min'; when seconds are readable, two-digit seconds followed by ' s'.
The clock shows 11 h 08 min
